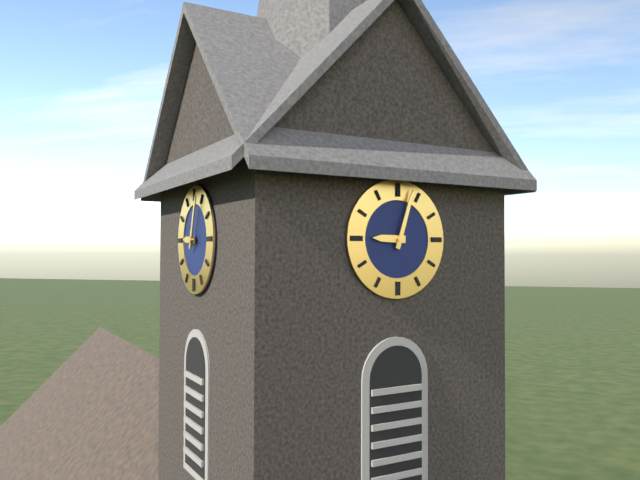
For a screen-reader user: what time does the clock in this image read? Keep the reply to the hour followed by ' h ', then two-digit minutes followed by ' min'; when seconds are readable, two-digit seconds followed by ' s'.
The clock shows 9 h 03 min
